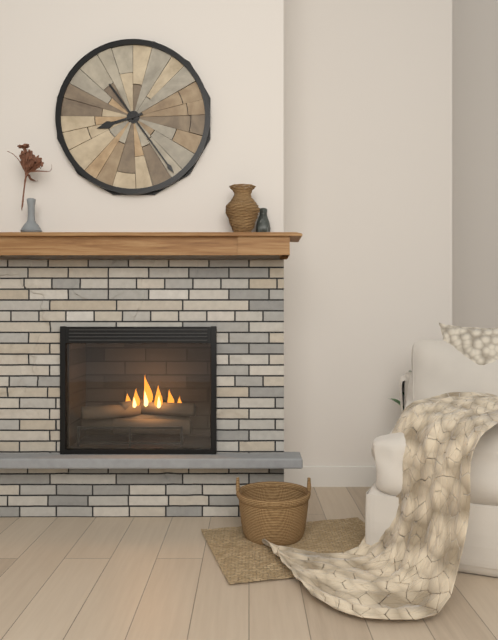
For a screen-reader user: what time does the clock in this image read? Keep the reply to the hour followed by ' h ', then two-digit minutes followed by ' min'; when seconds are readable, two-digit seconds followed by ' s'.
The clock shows 8 h 24 min
